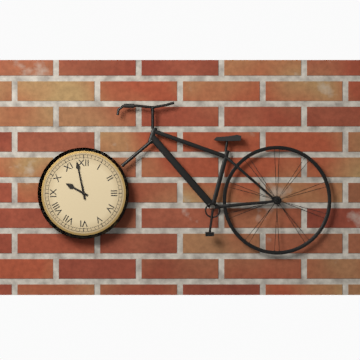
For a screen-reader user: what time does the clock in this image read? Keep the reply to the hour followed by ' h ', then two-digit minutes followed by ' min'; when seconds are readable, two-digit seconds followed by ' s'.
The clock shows 9 h 58 min
